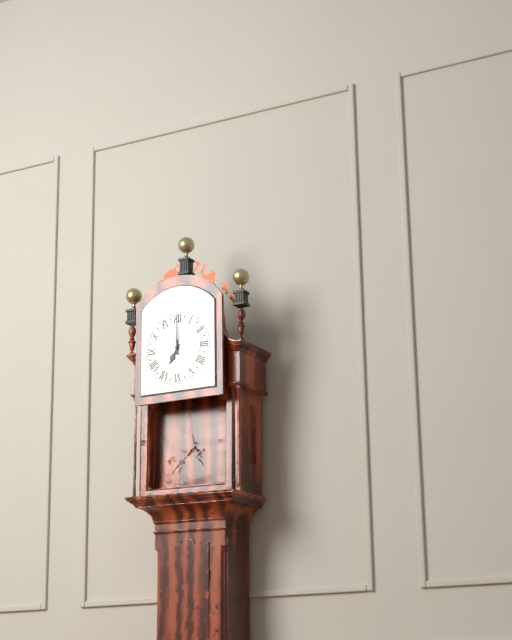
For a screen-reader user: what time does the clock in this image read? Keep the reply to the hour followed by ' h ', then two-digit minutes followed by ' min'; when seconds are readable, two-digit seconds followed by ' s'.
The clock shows 7 h 00 min
